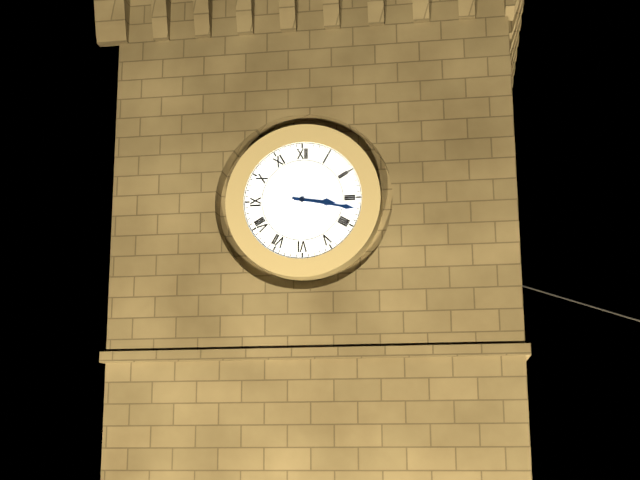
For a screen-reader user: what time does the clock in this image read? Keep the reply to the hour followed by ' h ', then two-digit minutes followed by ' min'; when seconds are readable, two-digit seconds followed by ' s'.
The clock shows 3 h 17 min
